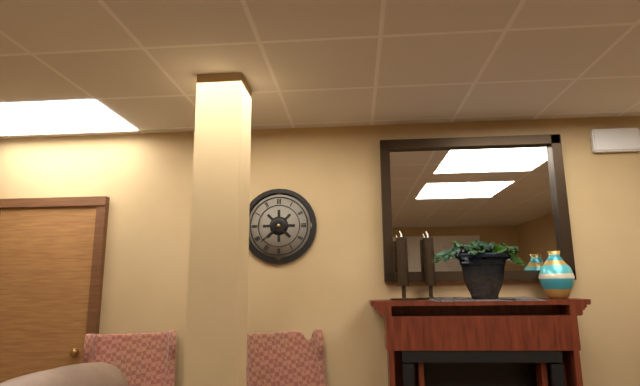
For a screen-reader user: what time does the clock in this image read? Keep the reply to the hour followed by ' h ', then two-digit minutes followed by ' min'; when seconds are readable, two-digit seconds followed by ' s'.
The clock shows 4 h 38 min
